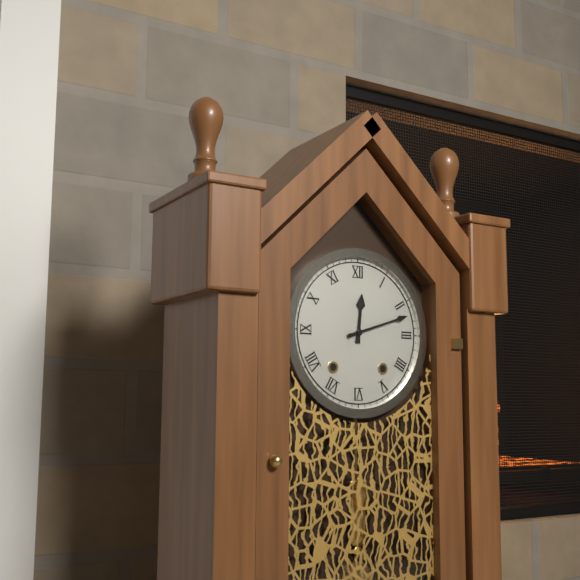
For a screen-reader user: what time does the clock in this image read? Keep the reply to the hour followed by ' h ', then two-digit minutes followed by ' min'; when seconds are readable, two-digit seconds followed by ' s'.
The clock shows 12 h 12 min
